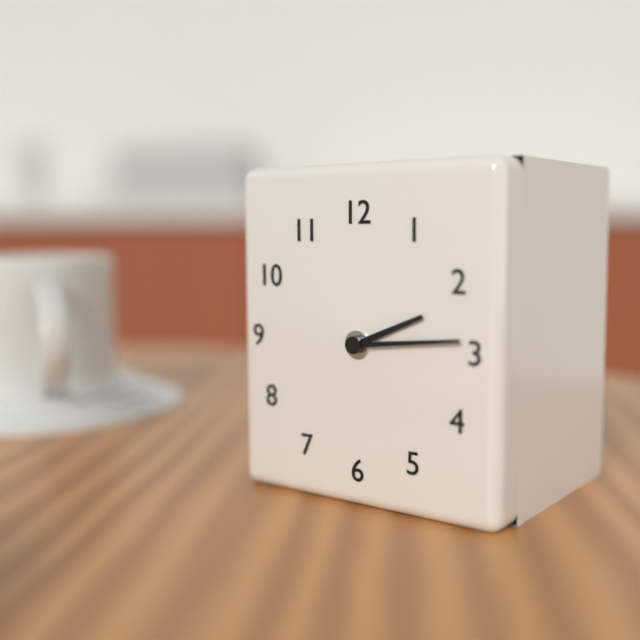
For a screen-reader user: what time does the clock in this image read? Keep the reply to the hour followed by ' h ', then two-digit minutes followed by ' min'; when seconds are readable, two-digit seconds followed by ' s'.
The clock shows 2 h 14 min
